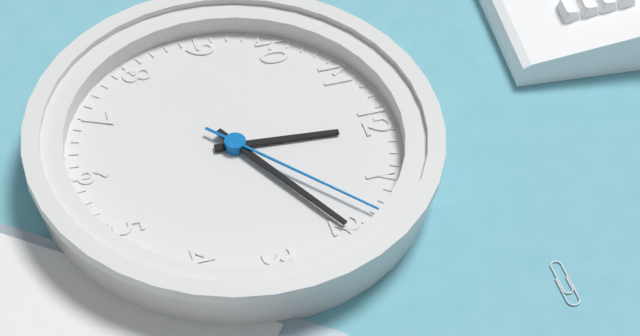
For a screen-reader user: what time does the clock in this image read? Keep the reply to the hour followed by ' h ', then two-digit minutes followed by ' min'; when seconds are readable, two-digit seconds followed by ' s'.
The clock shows 12 h 10 min 08 s
